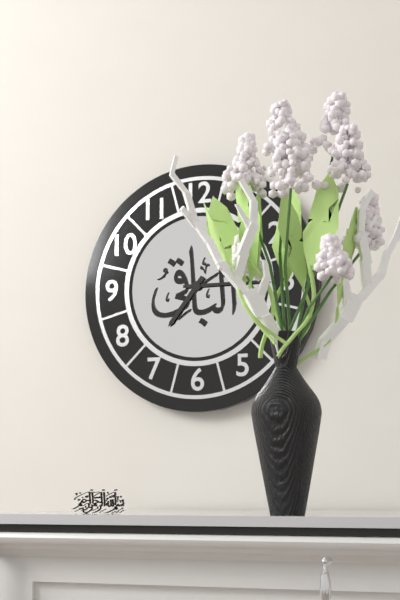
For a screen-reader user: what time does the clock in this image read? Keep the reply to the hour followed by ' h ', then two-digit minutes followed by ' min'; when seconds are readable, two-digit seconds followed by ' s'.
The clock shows 7 h 15 min
